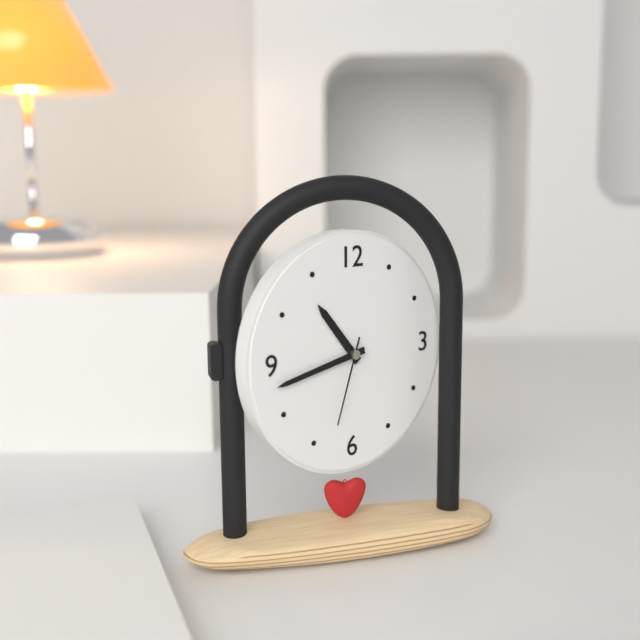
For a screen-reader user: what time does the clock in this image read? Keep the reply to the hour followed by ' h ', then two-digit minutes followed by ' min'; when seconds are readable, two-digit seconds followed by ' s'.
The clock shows 10 h 43 min 33 s
